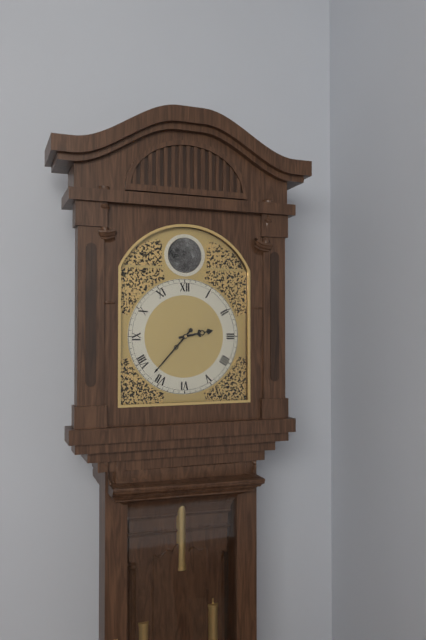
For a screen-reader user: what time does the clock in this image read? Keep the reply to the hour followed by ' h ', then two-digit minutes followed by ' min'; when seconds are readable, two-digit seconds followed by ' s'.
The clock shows 2 h 37 min
